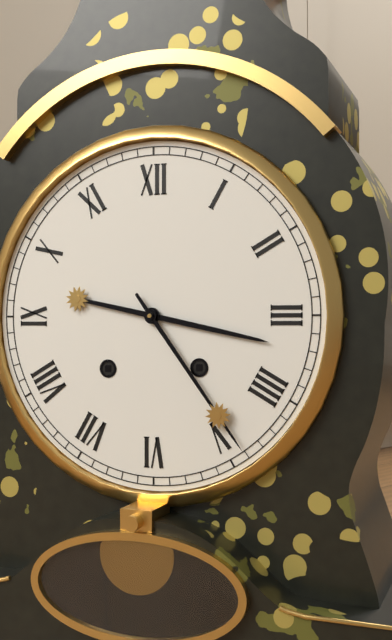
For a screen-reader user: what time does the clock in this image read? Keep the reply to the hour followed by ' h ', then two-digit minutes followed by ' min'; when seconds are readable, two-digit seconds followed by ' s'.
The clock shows 3 h 24 min
